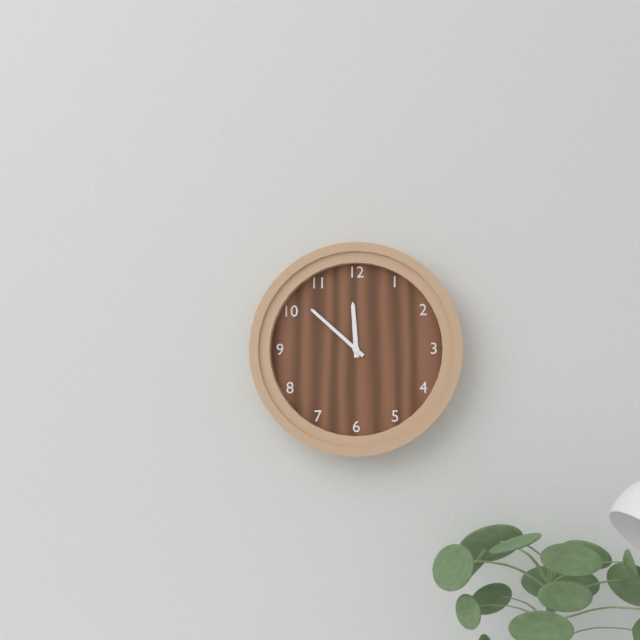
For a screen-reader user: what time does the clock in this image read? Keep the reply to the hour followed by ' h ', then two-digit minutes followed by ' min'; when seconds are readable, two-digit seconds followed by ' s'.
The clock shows 11 h 52 min
